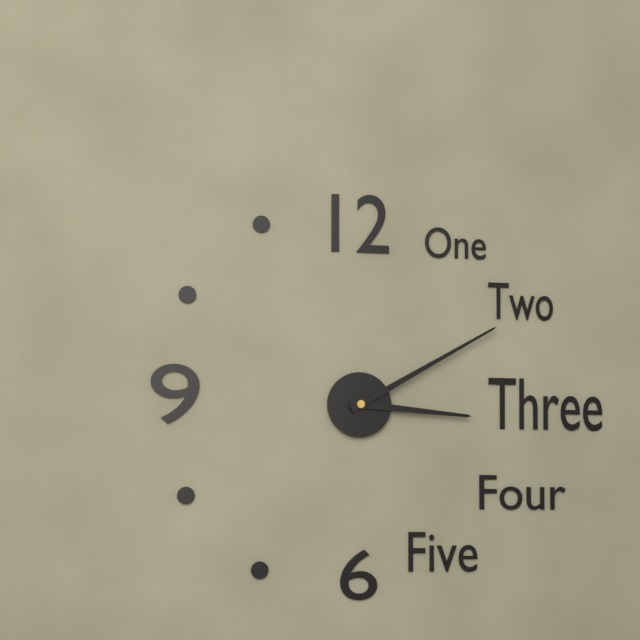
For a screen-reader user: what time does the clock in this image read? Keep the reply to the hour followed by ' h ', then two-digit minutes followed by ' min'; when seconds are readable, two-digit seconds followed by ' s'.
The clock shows 3 h 10 min
